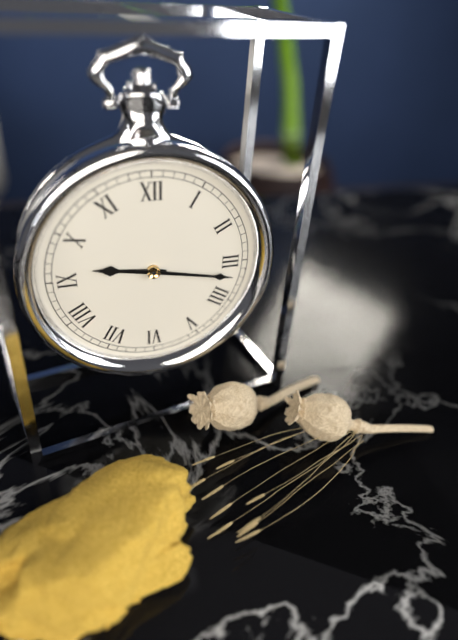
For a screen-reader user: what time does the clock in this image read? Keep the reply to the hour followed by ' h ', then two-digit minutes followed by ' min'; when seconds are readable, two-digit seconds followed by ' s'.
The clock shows 9 h 17 min
